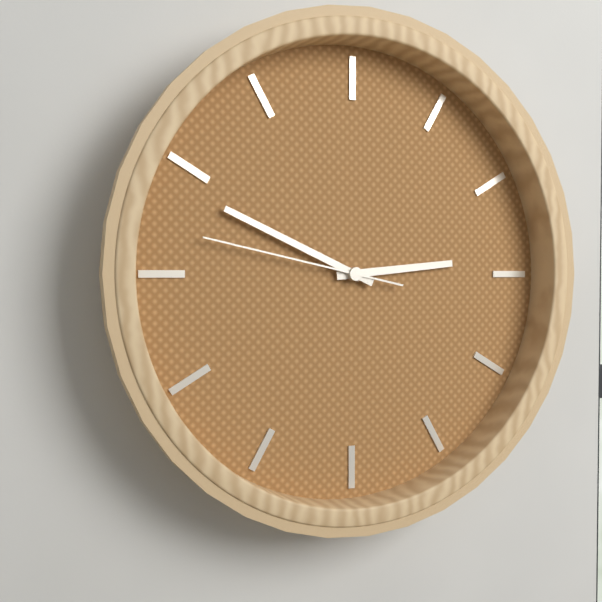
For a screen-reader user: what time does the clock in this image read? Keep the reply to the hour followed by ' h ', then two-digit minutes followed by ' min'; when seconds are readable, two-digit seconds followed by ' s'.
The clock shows 2 h 49 min 47 s
